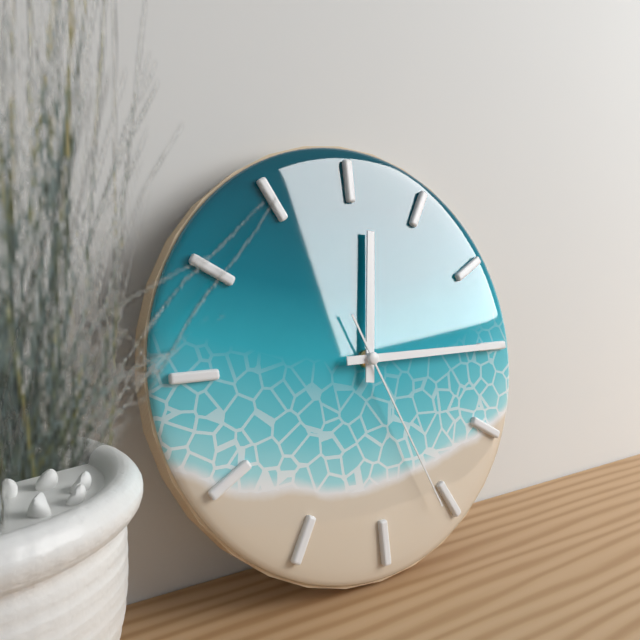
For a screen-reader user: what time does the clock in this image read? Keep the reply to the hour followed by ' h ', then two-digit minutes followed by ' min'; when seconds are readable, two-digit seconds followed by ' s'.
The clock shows 12 h 15 min 26 s
